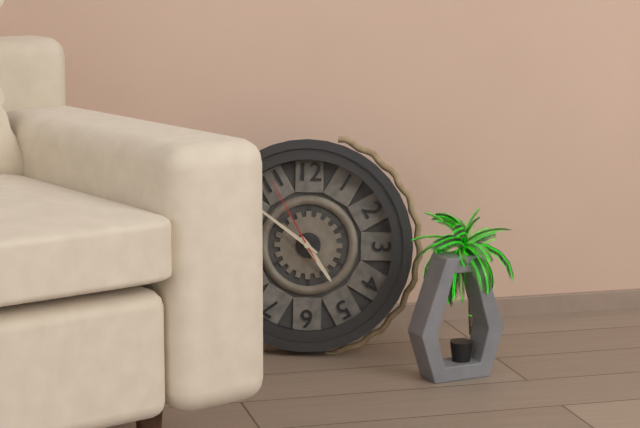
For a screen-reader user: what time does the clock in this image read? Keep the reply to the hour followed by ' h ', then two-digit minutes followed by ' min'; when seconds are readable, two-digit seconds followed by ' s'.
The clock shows 4 h 51 min 55 s
